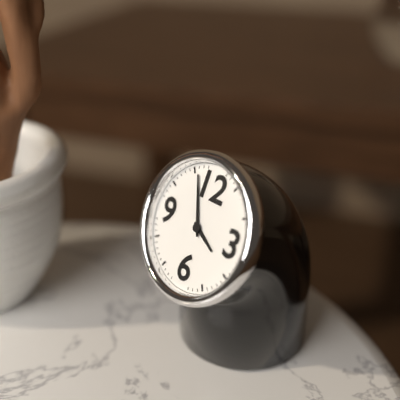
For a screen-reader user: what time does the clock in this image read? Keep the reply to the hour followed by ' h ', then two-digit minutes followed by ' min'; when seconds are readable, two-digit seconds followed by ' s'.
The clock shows 3 h 56 min
